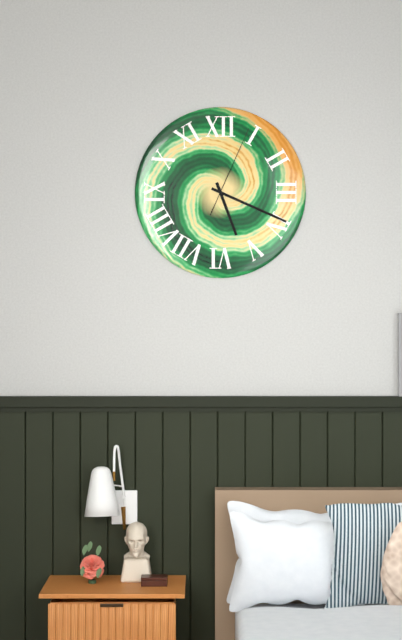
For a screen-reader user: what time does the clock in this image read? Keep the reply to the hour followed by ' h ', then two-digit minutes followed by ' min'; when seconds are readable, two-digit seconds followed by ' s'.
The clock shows 5 h 19 min 04 s
